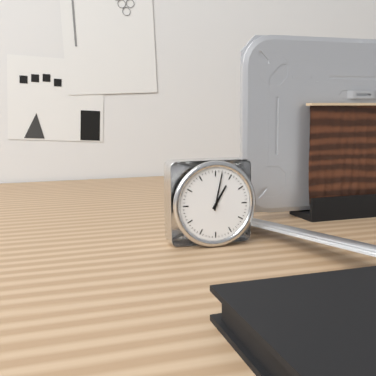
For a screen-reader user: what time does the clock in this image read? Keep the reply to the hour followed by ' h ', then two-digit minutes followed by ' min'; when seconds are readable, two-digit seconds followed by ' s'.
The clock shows 1 h 02 min
